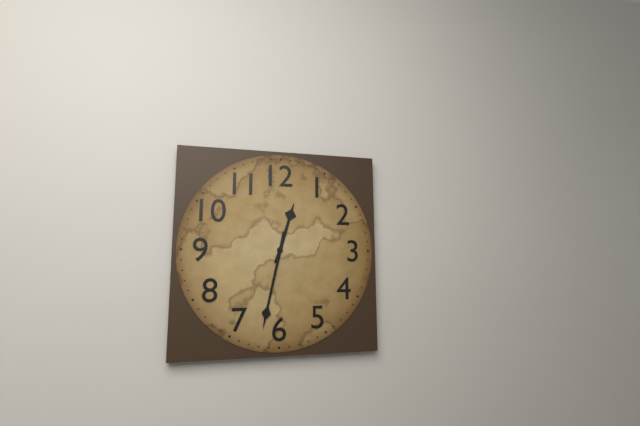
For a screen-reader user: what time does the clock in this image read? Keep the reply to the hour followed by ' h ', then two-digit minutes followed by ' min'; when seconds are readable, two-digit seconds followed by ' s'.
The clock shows 12 h 32 min
